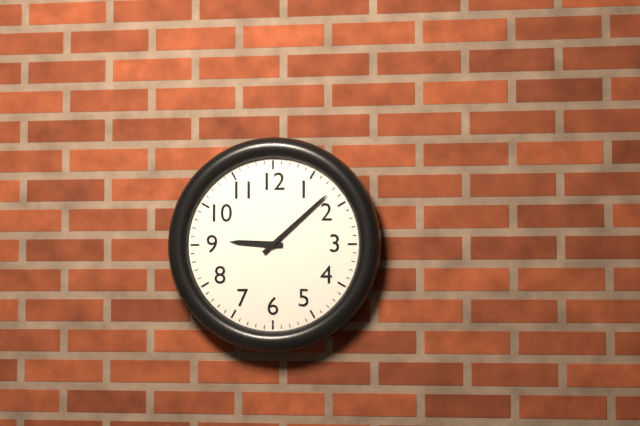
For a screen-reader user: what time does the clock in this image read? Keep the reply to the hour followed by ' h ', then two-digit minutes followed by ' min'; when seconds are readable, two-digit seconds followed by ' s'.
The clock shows 9 h 08 min
